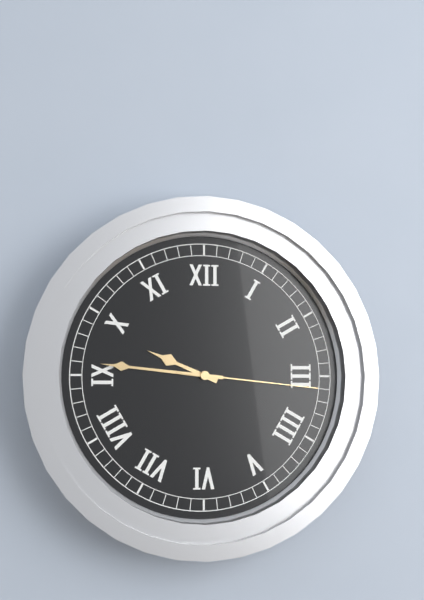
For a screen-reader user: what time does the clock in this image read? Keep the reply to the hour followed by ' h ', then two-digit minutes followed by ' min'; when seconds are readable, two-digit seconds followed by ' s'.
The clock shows 9 h 46 min 16 s
